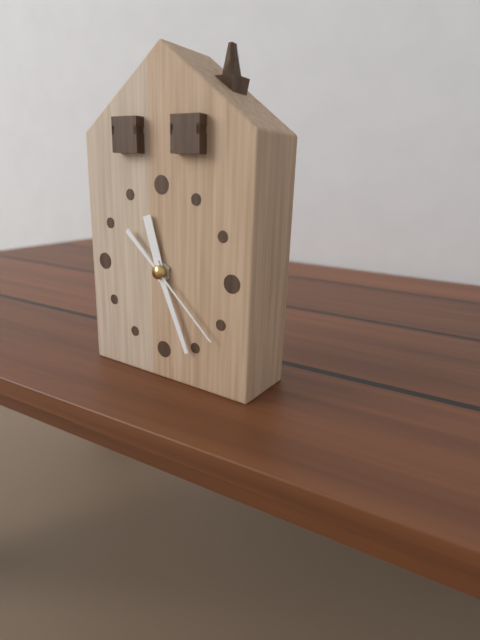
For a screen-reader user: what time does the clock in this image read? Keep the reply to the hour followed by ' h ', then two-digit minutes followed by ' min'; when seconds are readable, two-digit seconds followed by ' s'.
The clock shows 11 h 26 min 22 s
